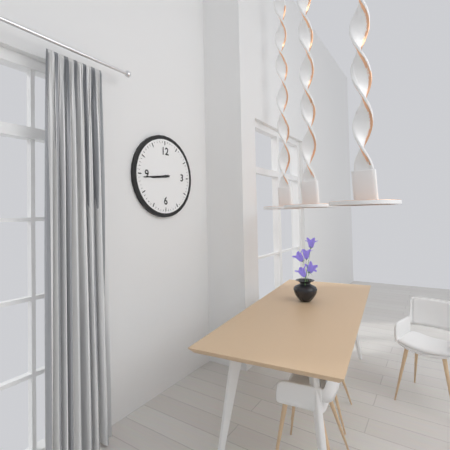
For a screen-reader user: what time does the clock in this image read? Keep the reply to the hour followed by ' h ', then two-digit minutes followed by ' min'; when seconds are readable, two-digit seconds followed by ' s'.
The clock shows 8 h 44 min
